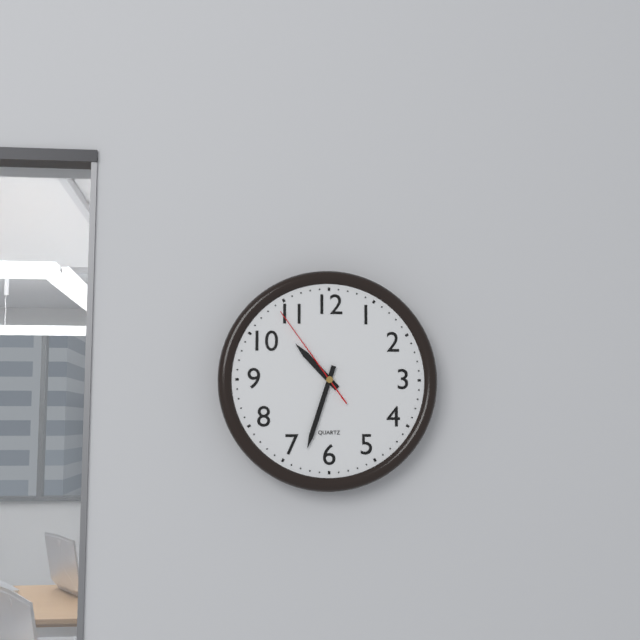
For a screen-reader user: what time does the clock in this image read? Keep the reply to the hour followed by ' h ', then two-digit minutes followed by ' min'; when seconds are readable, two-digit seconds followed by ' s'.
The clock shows 10 h 33 min 54 s
